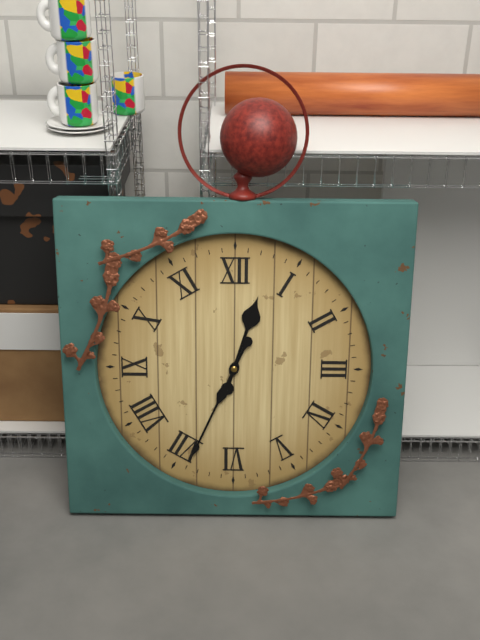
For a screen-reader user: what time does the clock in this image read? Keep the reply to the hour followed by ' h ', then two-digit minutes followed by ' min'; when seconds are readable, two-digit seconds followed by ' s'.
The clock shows 12 h 34 min
